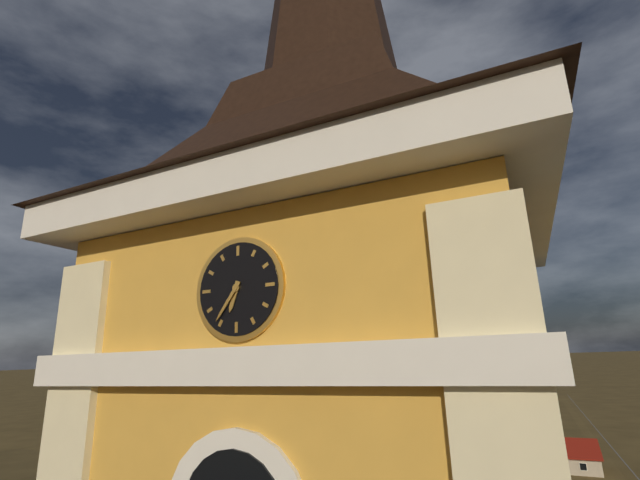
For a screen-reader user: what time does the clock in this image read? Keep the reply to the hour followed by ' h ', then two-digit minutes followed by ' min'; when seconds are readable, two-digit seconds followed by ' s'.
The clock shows 6 h 36 min
